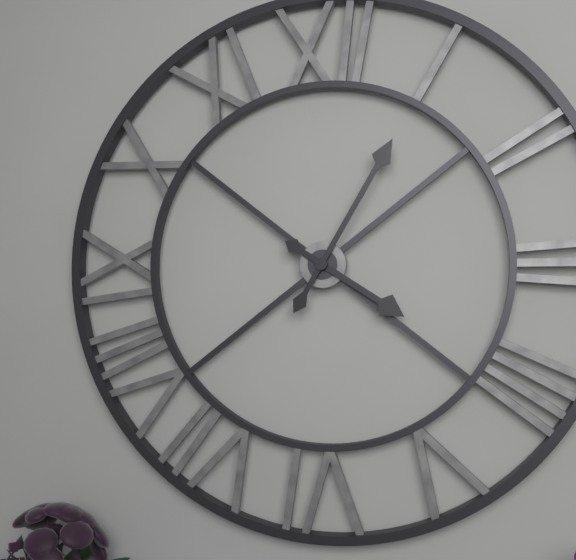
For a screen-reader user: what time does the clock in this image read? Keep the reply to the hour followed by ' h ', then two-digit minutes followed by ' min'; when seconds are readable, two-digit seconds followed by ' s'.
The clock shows 4 h 05 min
